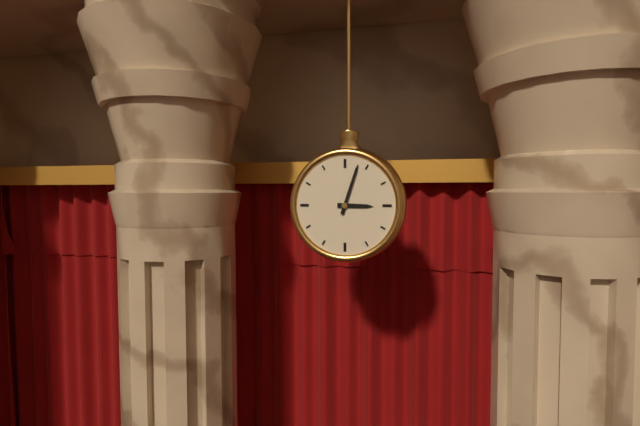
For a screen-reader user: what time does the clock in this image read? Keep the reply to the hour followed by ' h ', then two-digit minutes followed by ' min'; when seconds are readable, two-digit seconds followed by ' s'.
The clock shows 3 h 03 min
